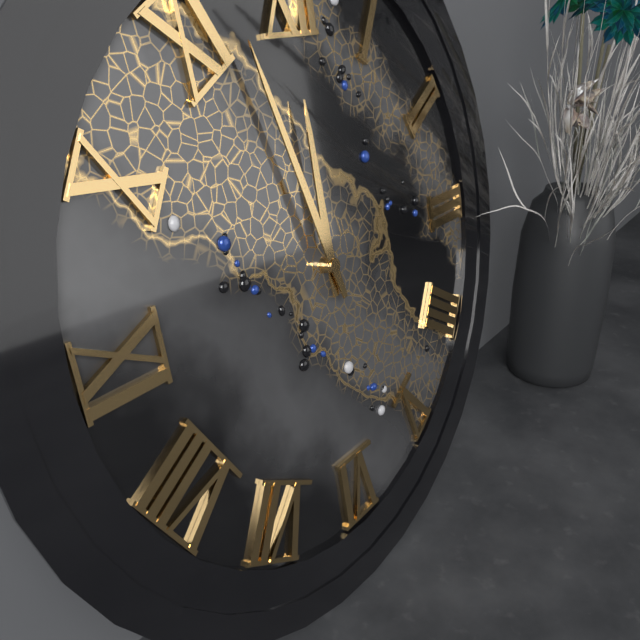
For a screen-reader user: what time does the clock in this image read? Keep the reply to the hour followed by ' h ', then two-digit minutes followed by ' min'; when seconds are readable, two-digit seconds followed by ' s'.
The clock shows 11 h 57 min
